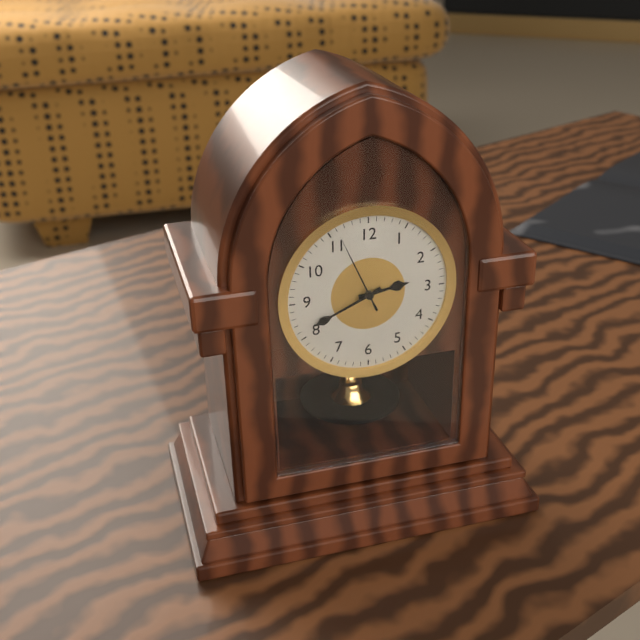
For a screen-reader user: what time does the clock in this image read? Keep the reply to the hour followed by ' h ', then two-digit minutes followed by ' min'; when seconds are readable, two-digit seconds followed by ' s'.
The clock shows 2 h 41 min 56 s
